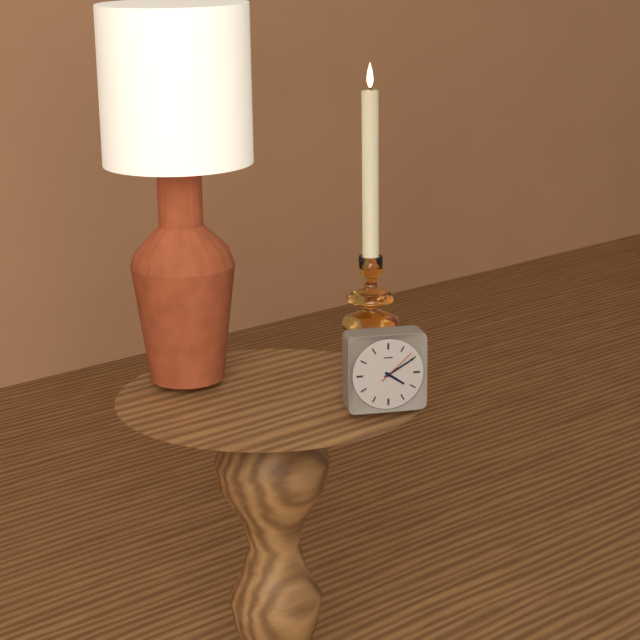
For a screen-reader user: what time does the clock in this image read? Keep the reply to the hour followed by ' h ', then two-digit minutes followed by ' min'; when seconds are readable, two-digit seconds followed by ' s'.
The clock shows 4 h 10 min
